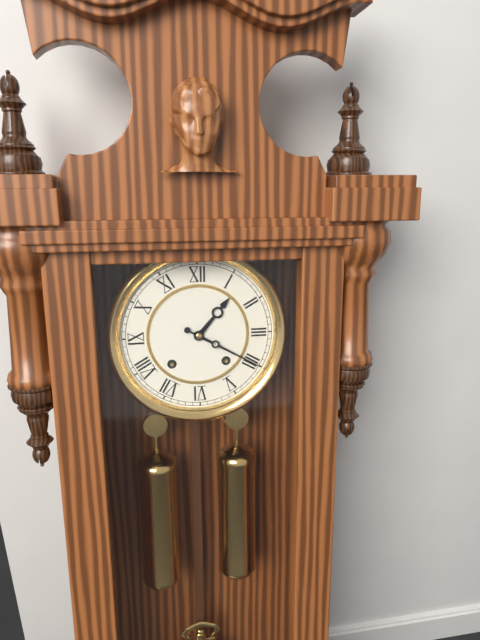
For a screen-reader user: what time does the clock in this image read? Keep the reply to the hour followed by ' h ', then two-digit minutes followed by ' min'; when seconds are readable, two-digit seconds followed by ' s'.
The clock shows 1 h 20 min
